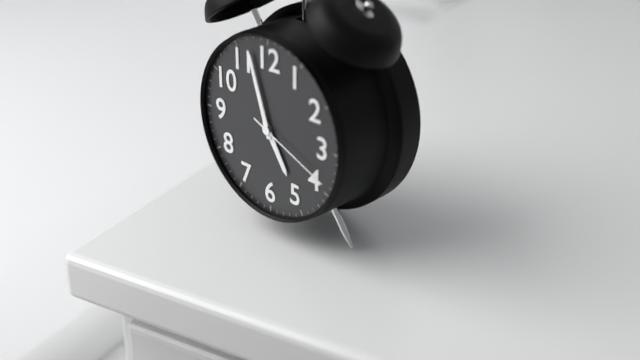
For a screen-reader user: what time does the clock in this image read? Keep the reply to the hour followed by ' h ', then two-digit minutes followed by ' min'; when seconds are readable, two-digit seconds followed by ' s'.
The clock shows 4 h 57 min 19 s
